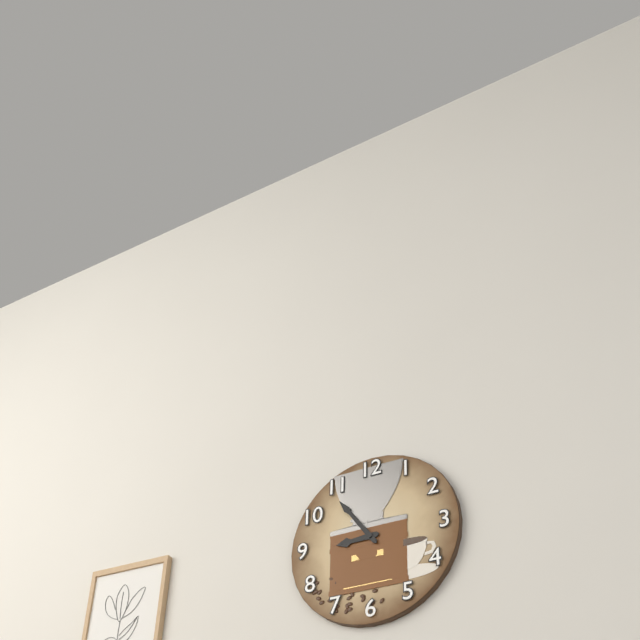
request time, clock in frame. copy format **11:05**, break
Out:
**8:54**
